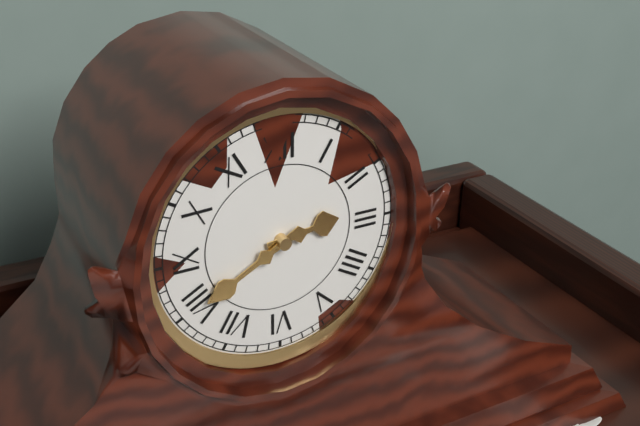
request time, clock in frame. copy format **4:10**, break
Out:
**2:40**
